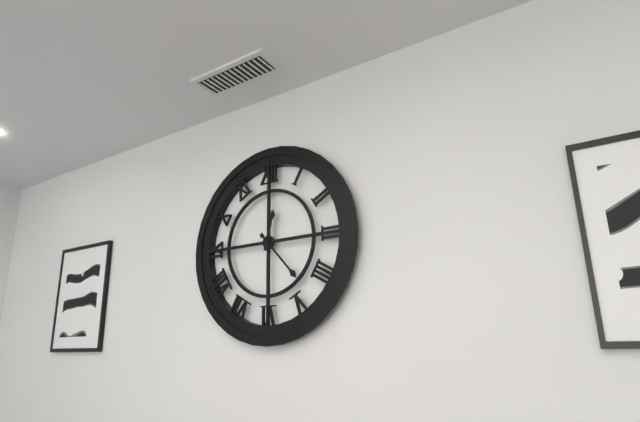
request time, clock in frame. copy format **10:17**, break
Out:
**12:23**
